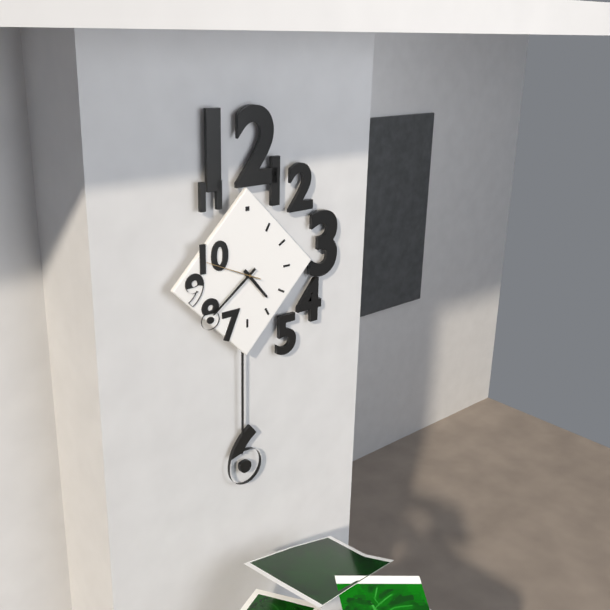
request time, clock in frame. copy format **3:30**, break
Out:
**4:39**
